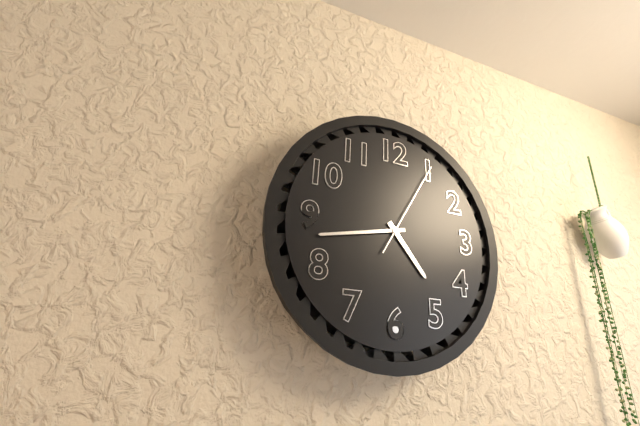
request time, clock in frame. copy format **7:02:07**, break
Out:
**4:43:05**
